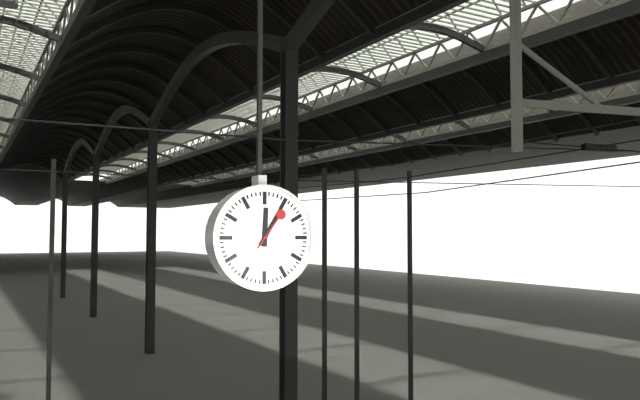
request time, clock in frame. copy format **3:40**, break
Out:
**12:05**
